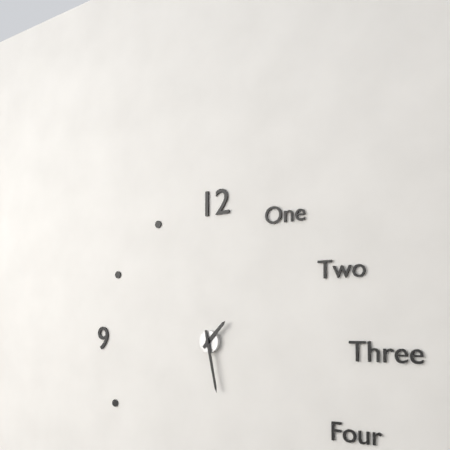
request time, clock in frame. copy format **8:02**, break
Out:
**1:28**
